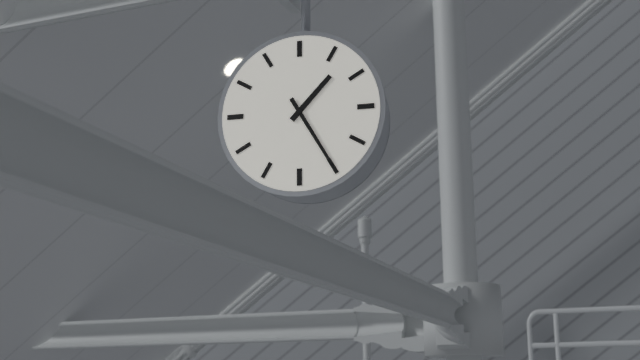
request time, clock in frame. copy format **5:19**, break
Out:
**1:25**
